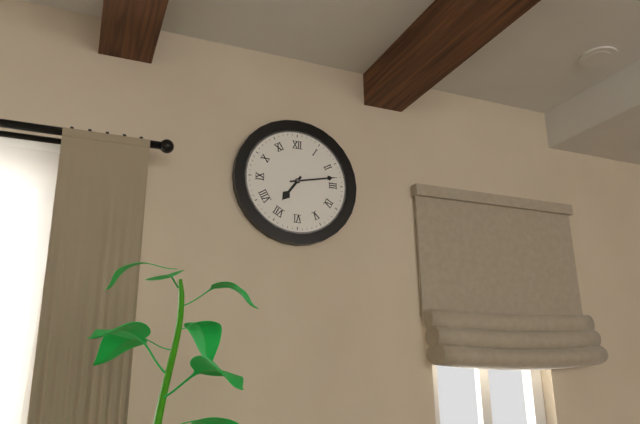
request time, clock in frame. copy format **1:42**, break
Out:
**7:13**
